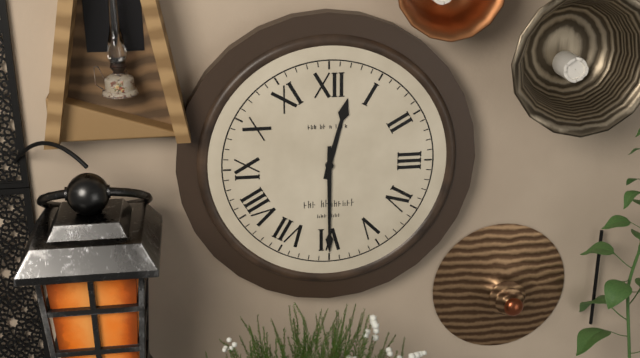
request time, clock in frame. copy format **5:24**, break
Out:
**12:30**
